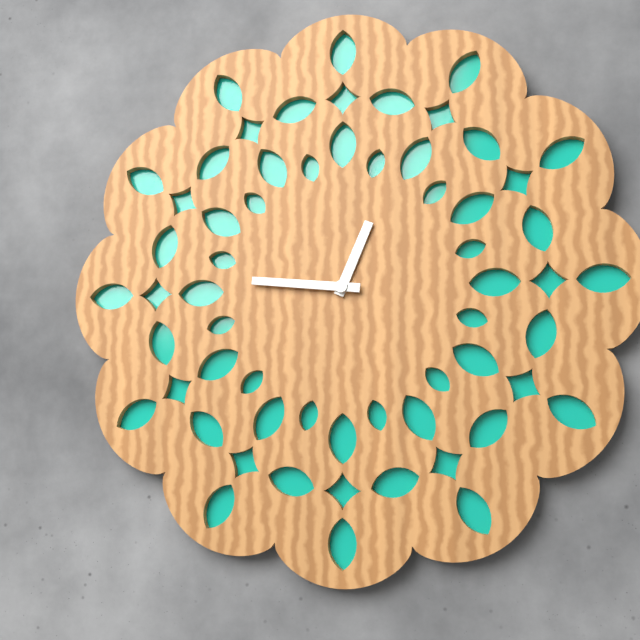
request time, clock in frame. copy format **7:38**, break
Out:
**12:46**
